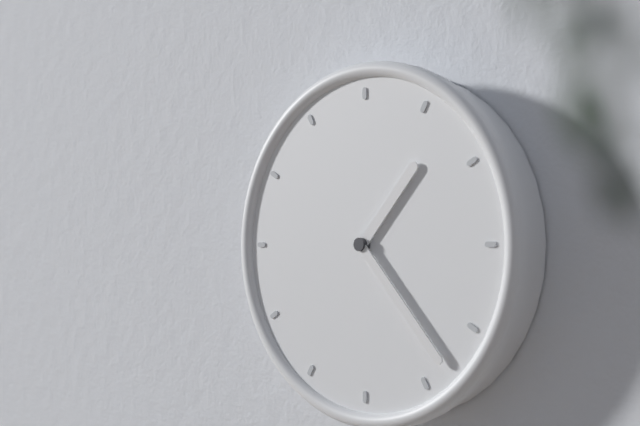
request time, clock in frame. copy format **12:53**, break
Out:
**1:23**
